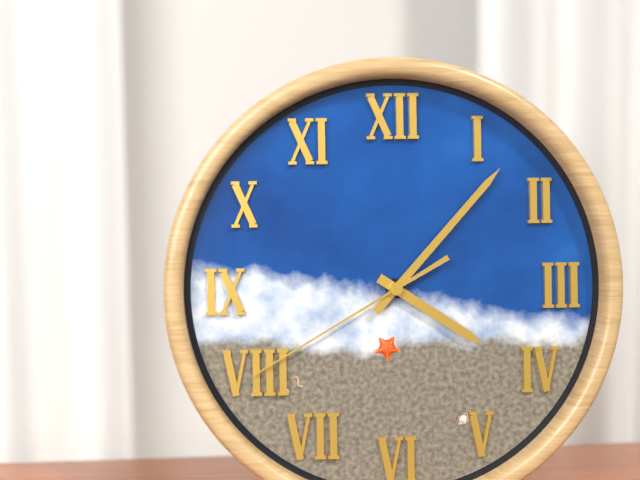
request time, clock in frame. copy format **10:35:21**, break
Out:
**4:07:40**
